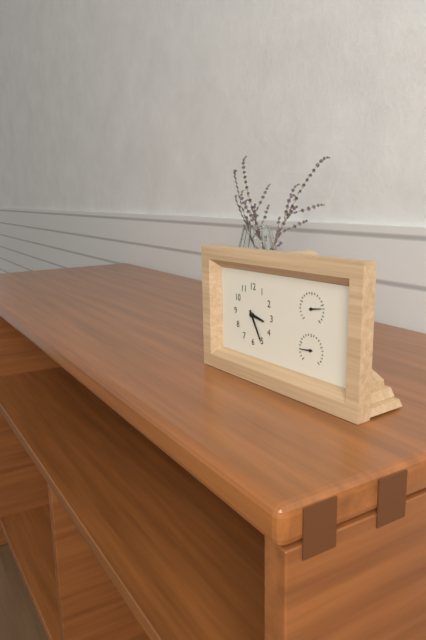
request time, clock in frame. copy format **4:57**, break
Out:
**3:25**
